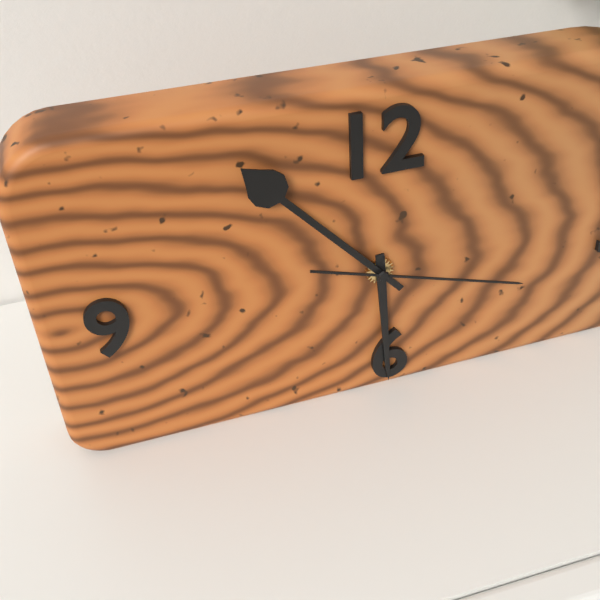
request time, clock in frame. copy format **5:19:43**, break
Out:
**5:53:18**
